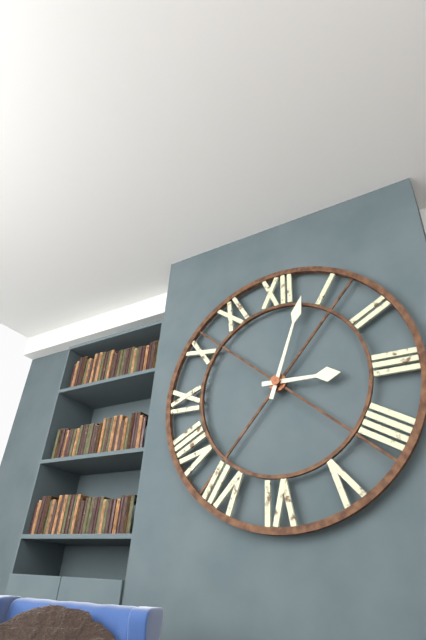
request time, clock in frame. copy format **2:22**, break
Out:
**3:03**
